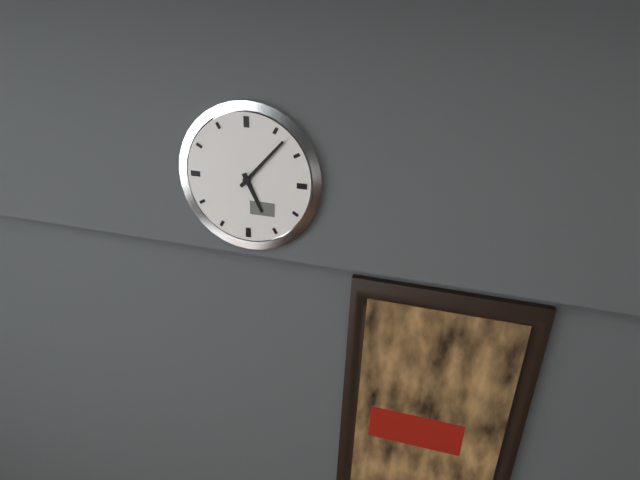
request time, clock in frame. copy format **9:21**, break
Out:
**5:07**
